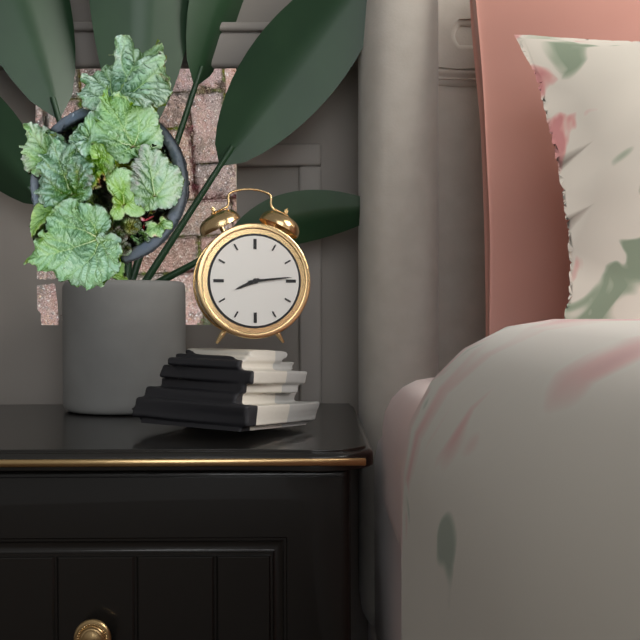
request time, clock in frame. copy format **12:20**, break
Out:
**8:14**
